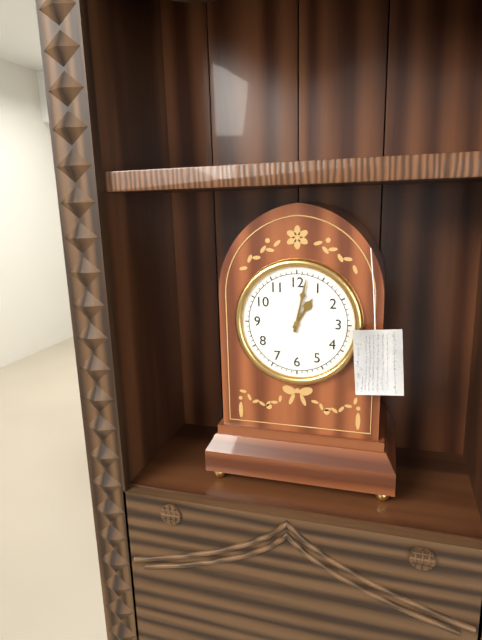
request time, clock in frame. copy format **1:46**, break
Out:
**1:02**
